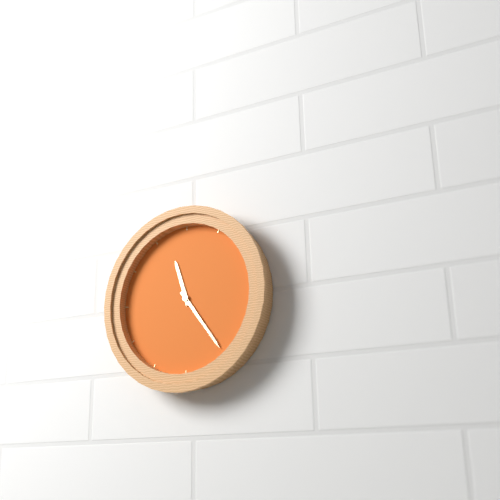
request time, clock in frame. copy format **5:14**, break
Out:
**11:24**
